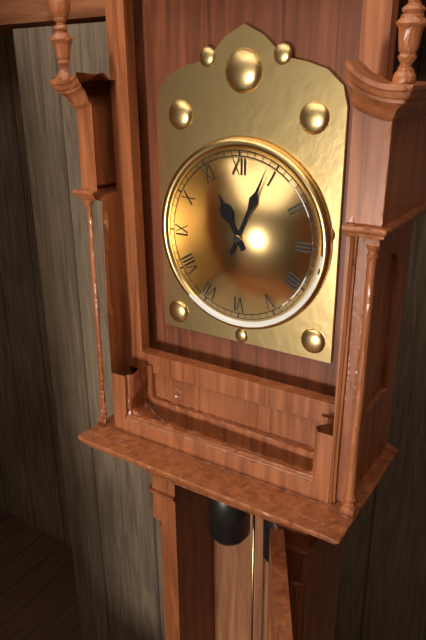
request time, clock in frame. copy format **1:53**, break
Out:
**11:04**
